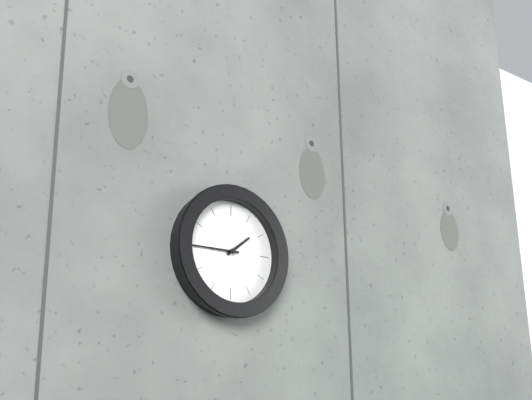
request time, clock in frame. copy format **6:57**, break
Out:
**1:45**
